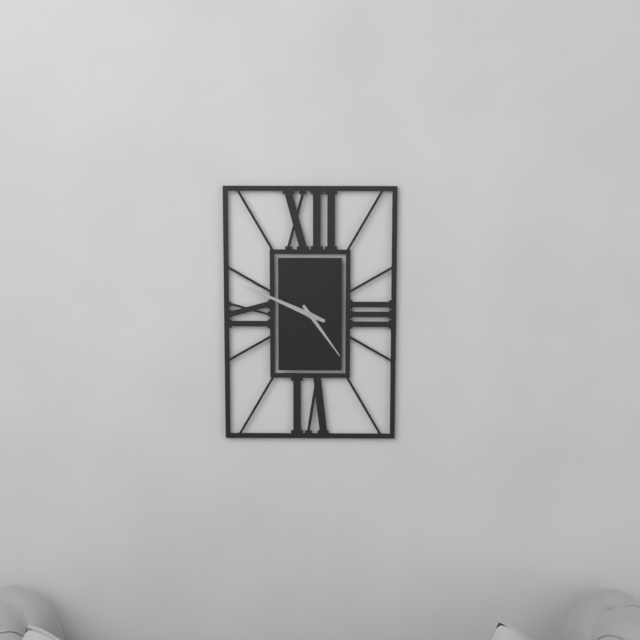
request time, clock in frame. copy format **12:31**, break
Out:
**4:49**
